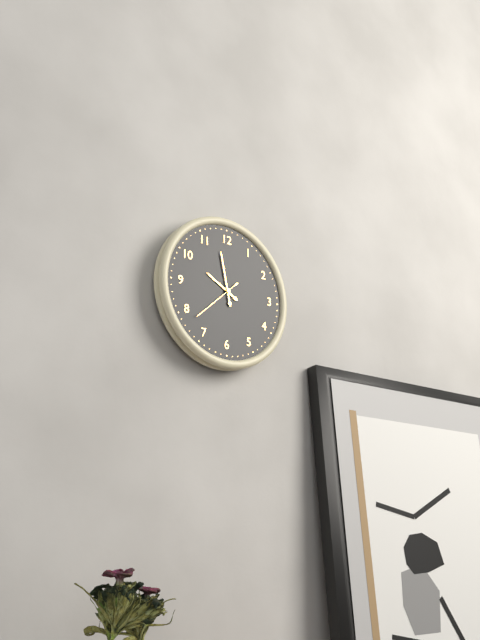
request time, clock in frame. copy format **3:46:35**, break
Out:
**9:58:38**
